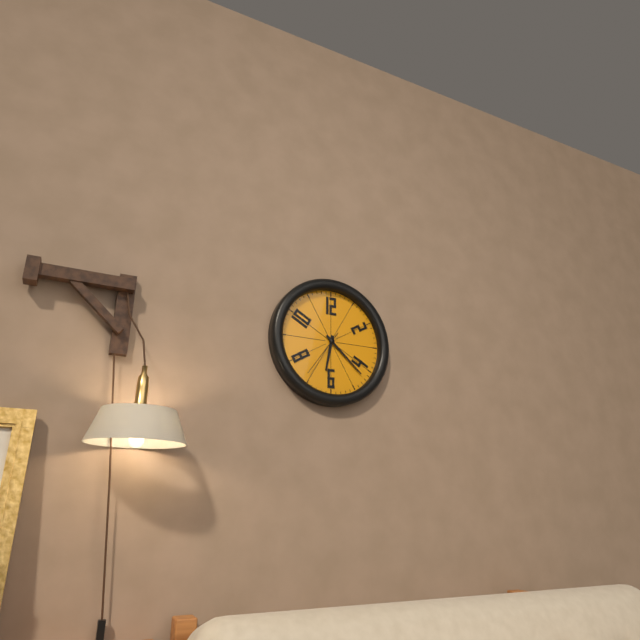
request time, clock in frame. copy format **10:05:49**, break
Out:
**6:22:36**
